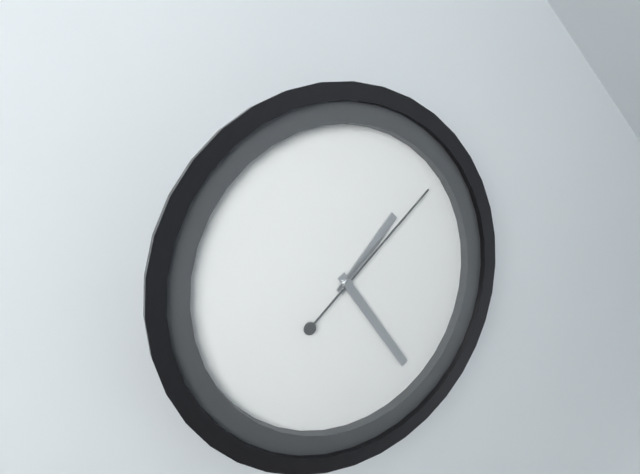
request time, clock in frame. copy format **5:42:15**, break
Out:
**1:24:08**
